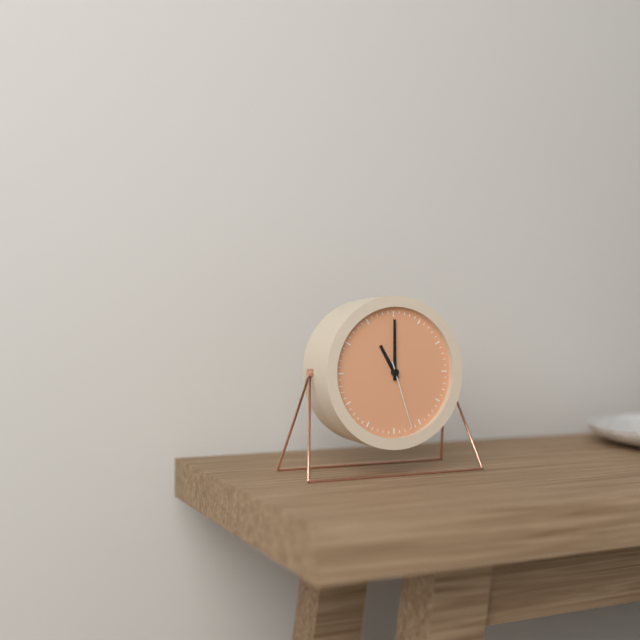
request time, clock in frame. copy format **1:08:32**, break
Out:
**11:00:27**
